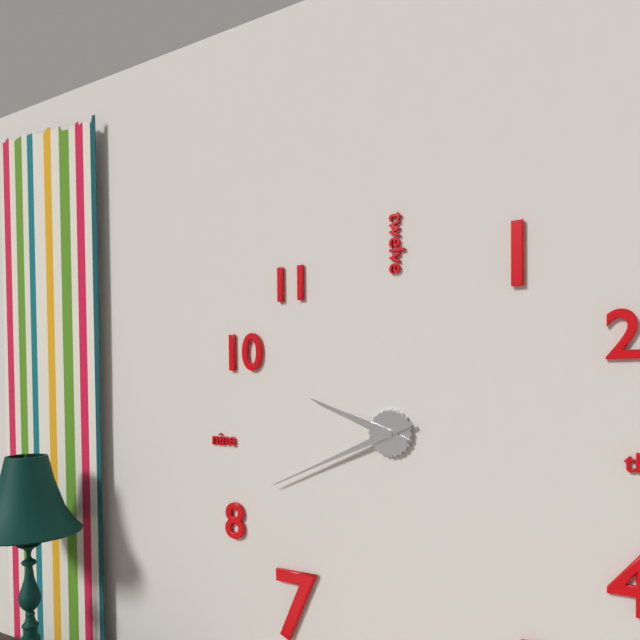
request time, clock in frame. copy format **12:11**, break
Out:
**9:41**
